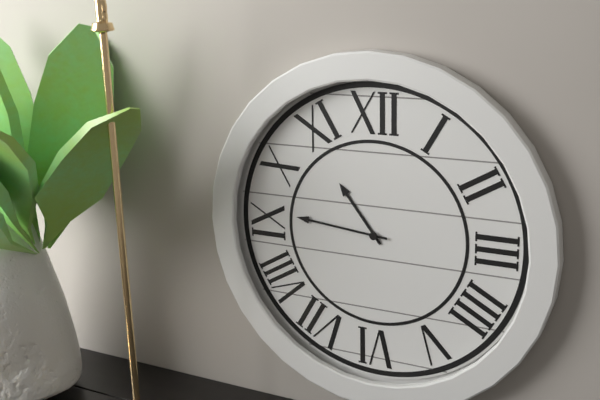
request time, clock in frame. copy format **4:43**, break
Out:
**10:46**
